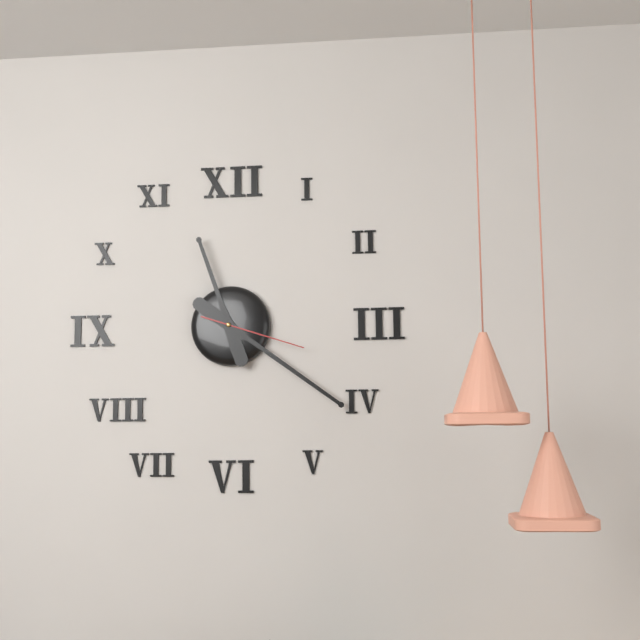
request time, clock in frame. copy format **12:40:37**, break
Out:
**11:21:18**
